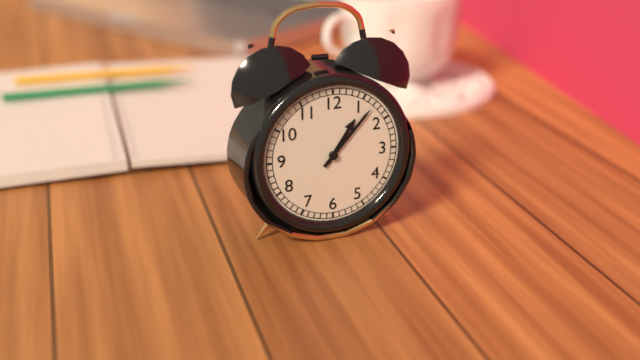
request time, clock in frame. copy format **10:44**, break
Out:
**1:07**
